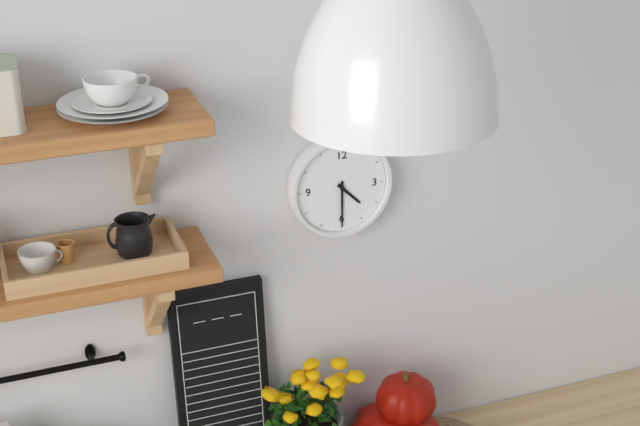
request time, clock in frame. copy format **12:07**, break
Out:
**4:30**
